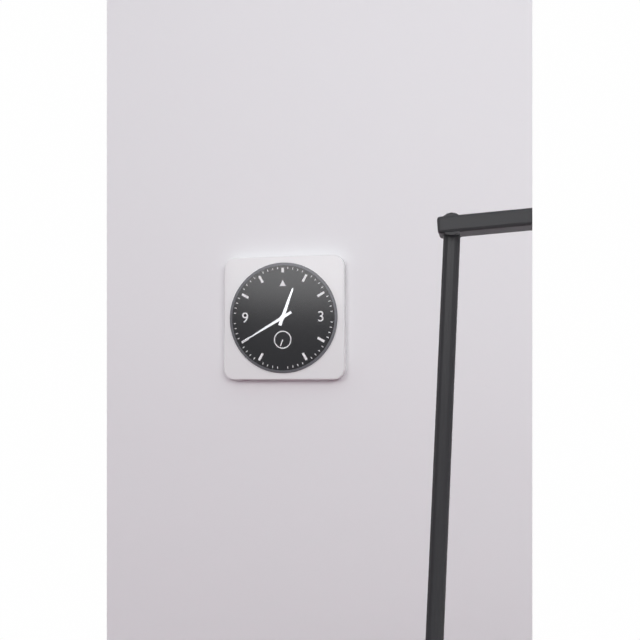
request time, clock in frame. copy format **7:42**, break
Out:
**12:40**
